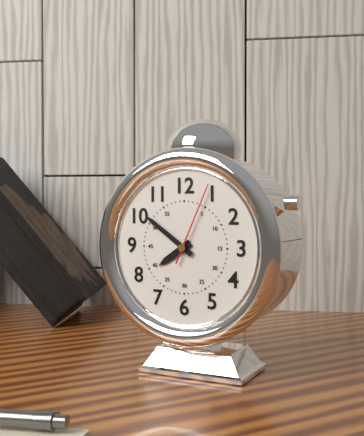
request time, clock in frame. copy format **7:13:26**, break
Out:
**7:51:04**
